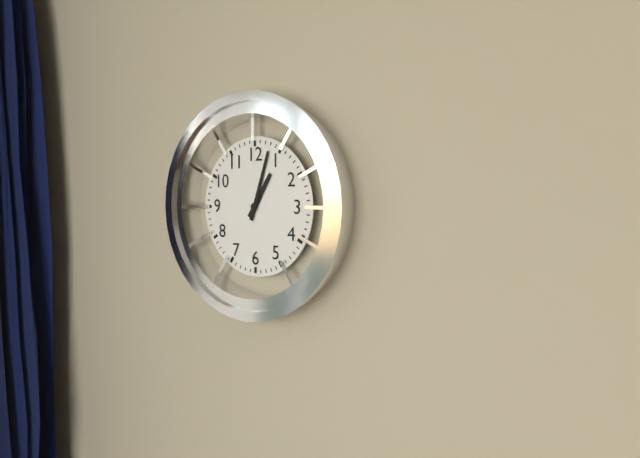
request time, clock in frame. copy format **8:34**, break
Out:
**1:03**
